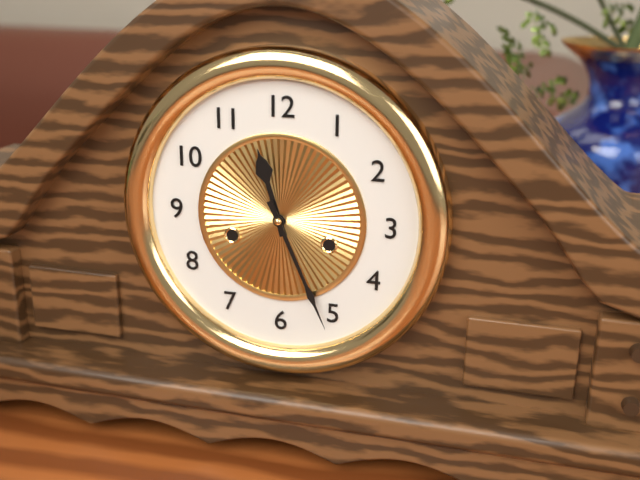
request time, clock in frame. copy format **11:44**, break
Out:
**11:26**
